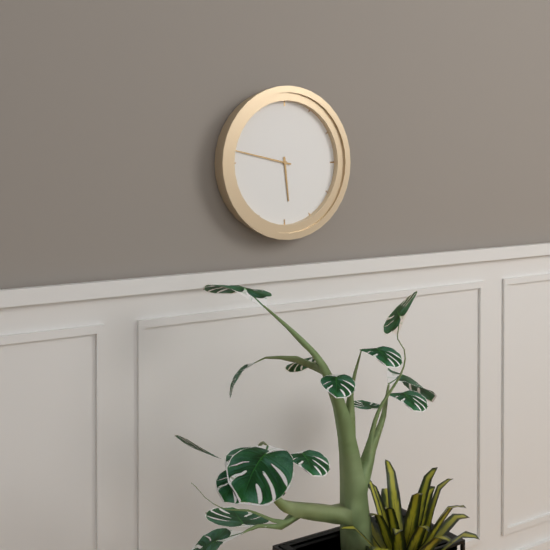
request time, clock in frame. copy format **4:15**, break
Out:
**5:47**
